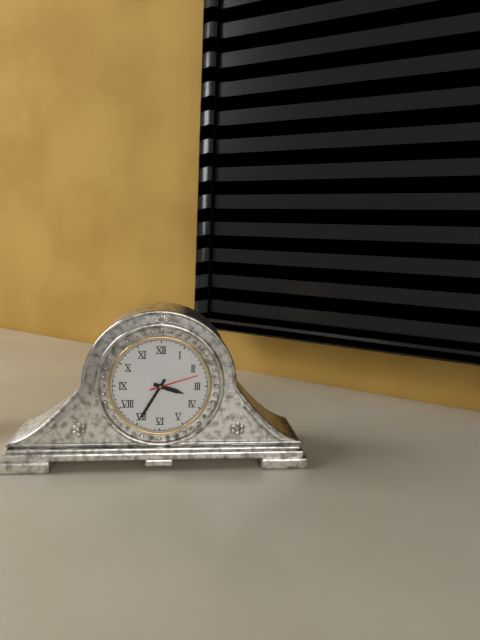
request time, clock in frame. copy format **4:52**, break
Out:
**3:35**
